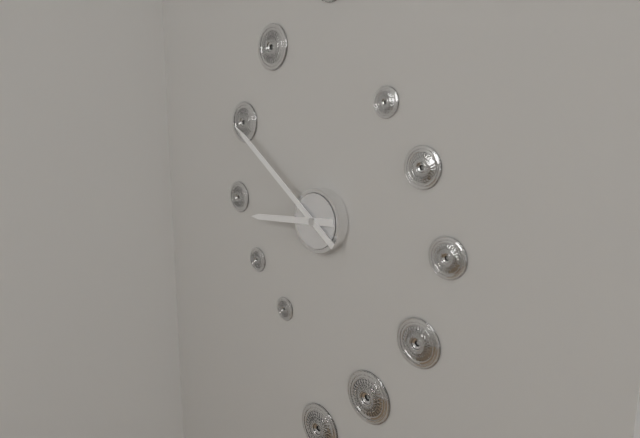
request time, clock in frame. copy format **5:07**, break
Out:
**8:51**
